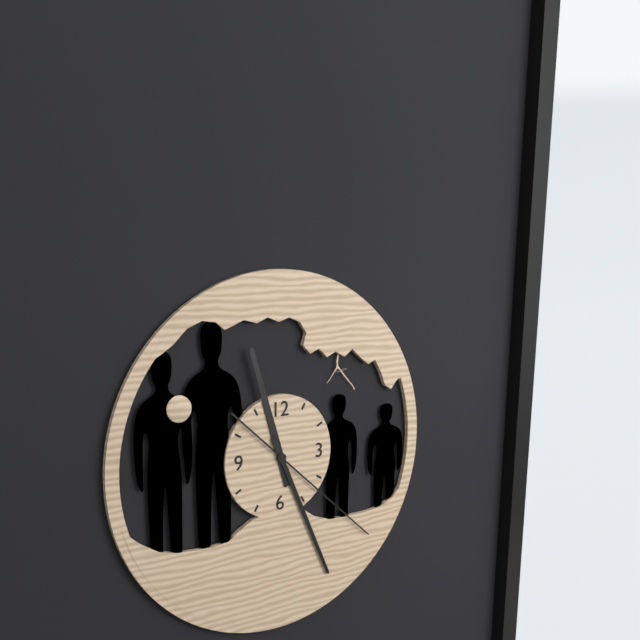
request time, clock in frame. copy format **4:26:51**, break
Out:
**11:26:22**
